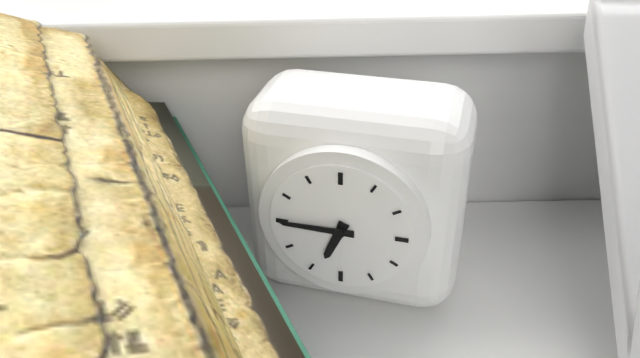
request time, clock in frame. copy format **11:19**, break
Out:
**6:45**
